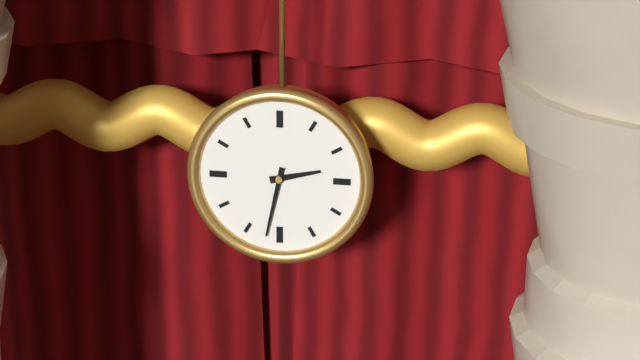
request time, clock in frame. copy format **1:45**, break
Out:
**2:32**
